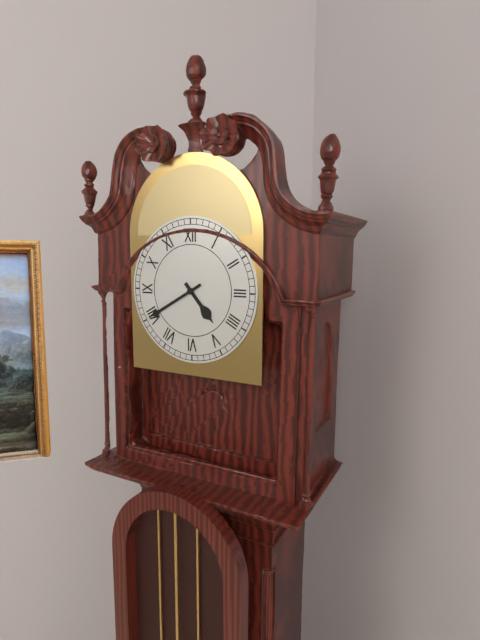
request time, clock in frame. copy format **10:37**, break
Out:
**4:40**
